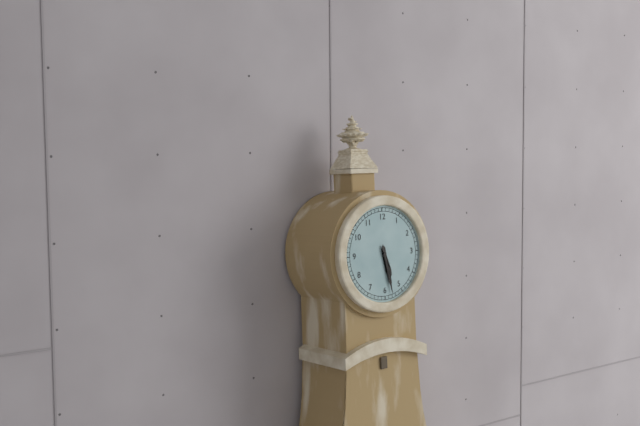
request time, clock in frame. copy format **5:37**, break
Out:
**5:28**
